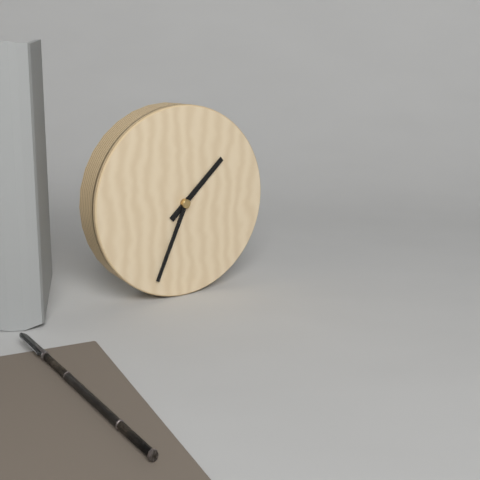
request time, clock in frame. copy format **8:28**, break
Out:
**1:34**
